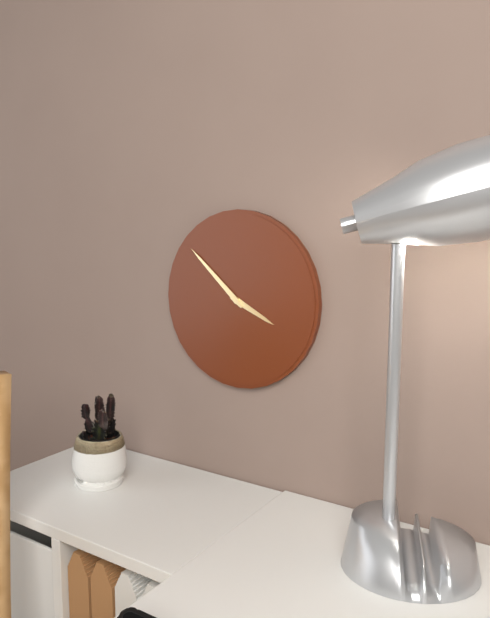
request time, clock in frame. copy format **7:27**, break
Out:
**3:52**
